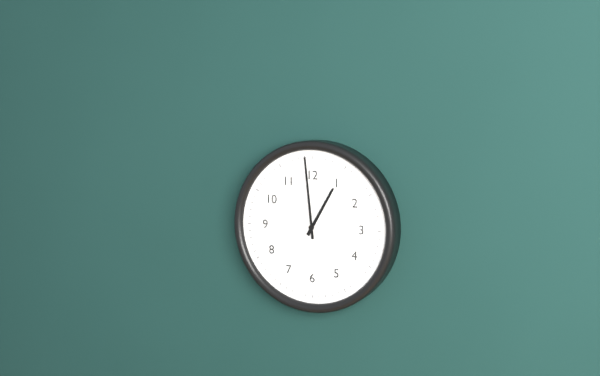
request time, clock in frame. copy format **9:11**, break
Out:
**12:59**
